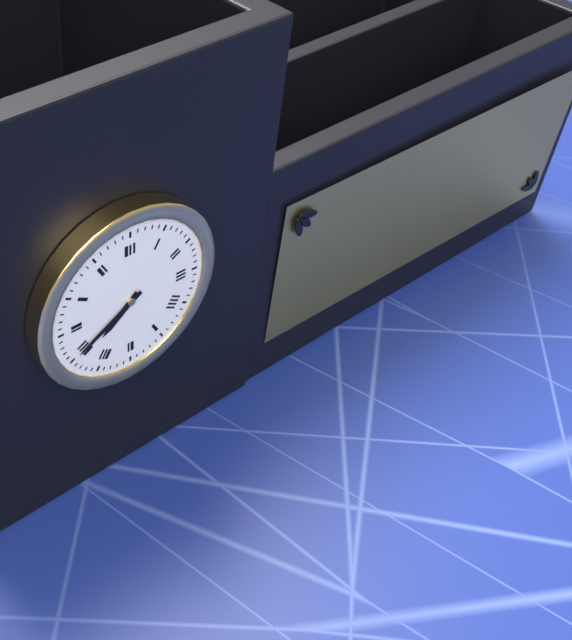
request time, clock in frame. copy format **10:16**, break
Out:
**7:40**
